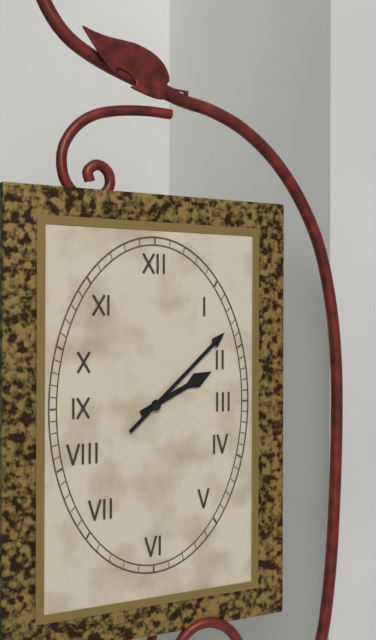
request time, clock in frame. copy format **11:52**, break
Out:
**2:08**
